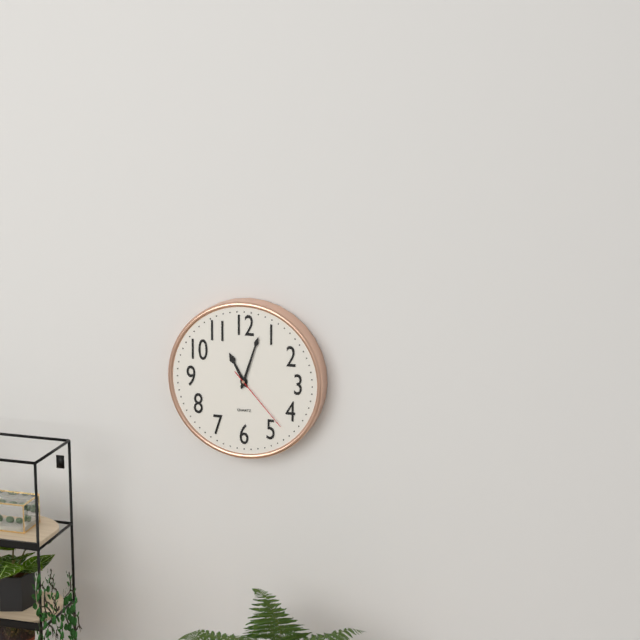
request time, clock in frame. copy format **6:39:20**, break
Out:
**11:03:23**
